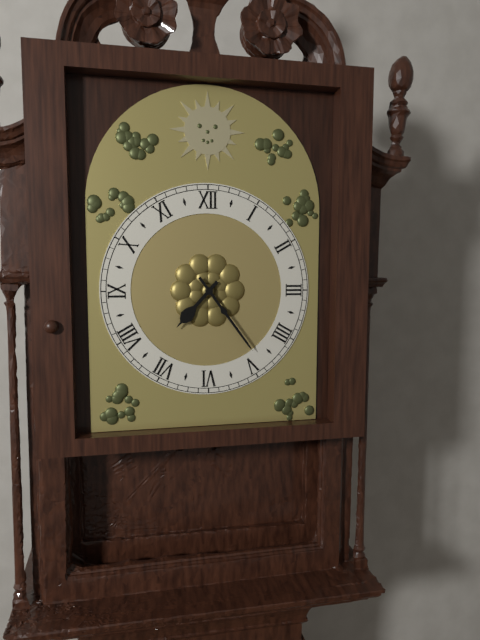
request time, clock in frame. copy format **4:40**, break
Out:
**7:24**
